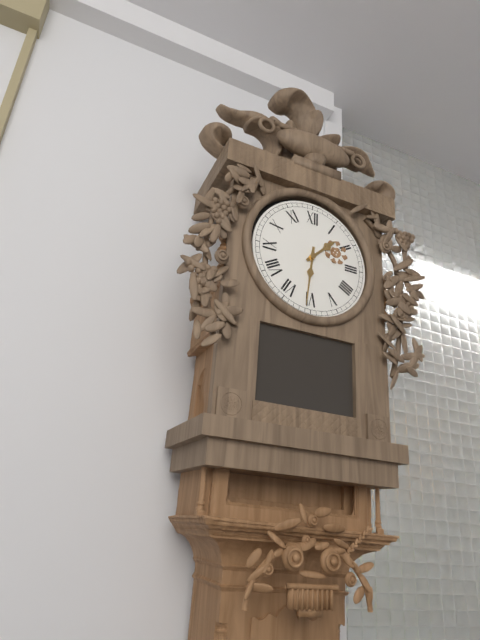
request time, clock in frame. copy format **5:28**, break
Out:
**1:31**
